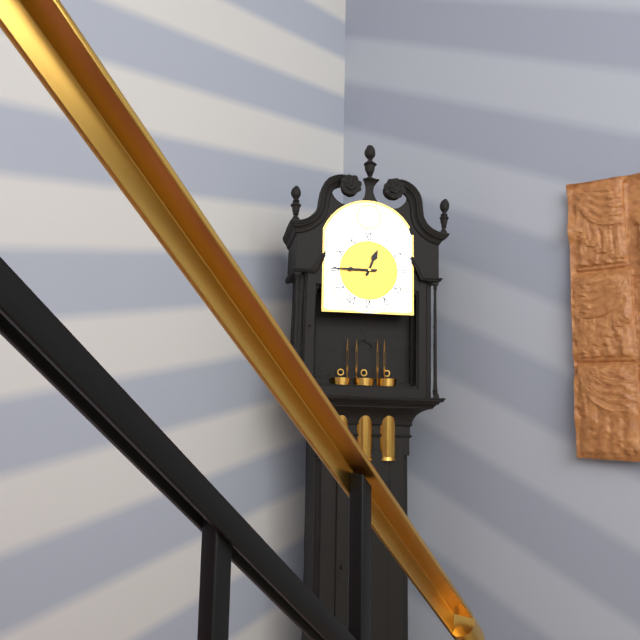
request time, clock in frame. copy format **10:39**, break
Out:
**12:45**
